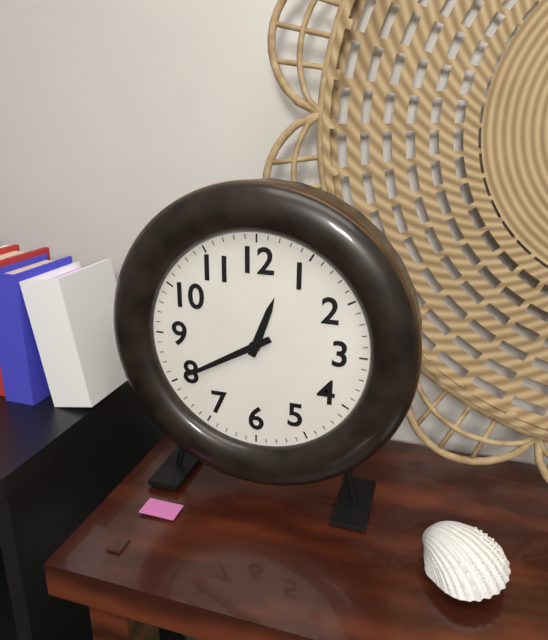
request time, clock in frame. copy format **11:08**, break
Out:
**12:40**
